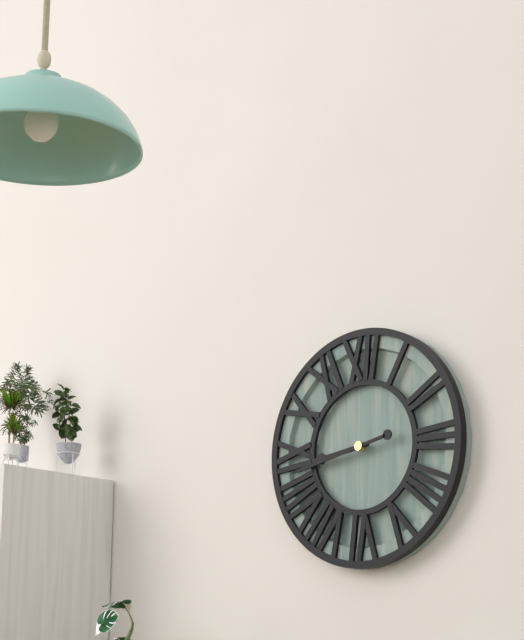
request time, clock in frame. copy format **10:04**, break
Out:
**8:43**
